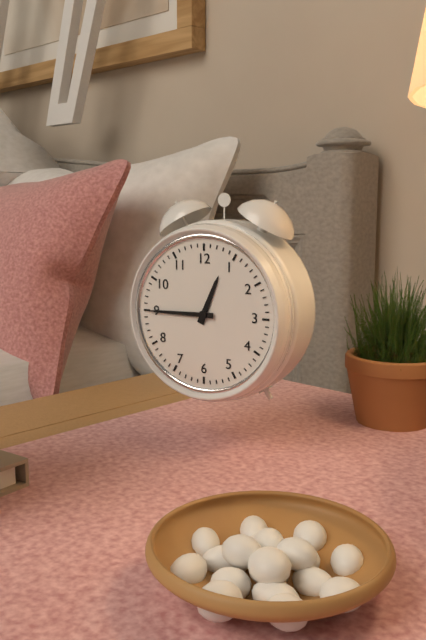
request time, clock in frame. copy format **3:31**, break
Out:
**12:45**
